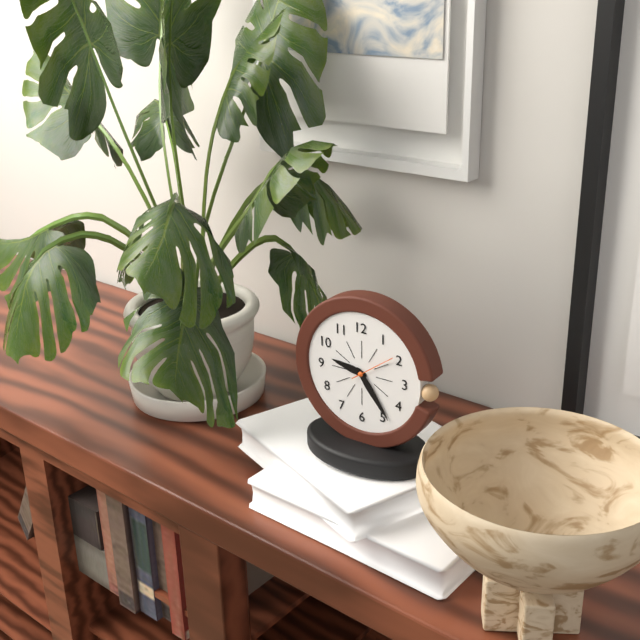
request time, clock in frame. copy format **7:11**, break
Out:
**9:24**
